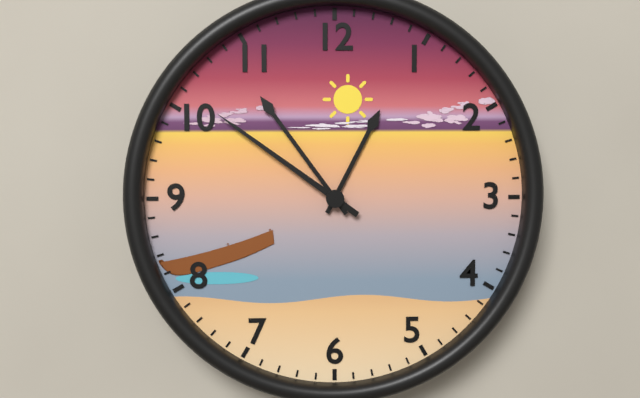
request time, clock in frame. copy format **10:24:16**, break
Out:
**12:54:51**
